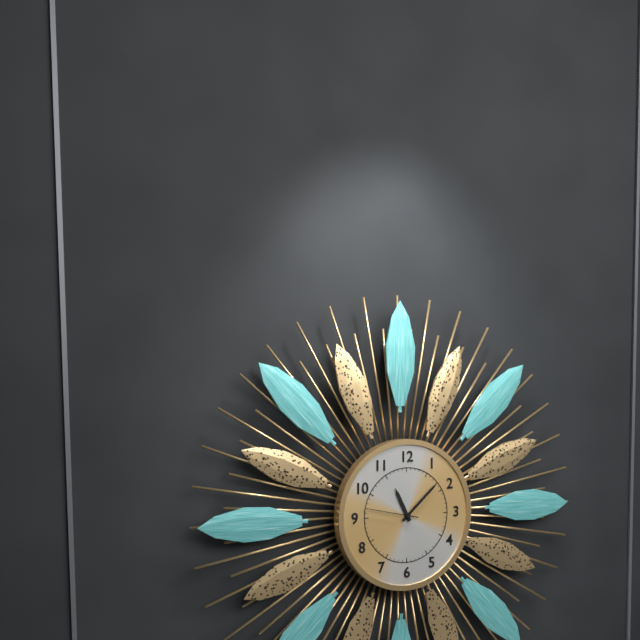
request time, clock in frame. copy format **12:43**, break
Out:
**11:08**
